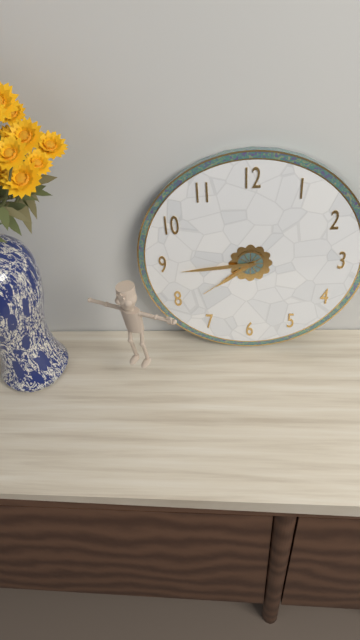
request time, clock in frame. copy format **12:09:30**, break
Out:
**7:44:39**
